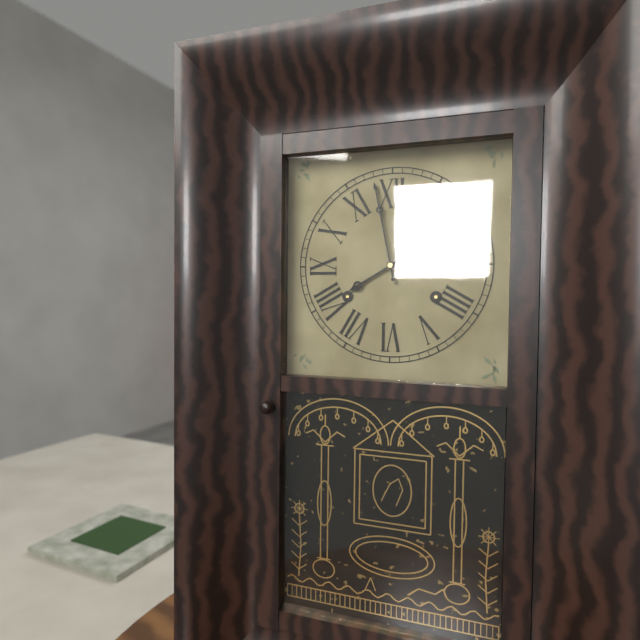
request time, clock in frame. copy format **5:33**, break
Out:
**7:58**
